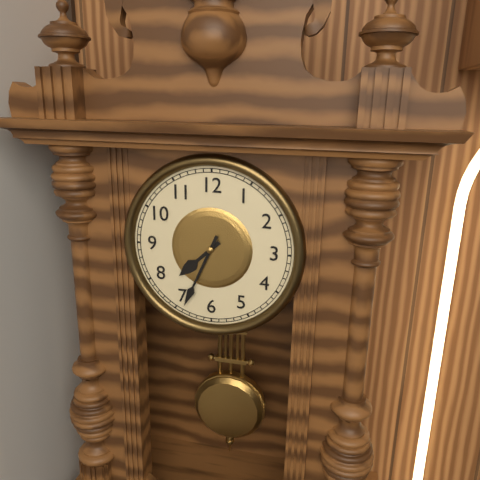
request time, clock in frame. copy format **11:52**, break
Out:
**7:34**
